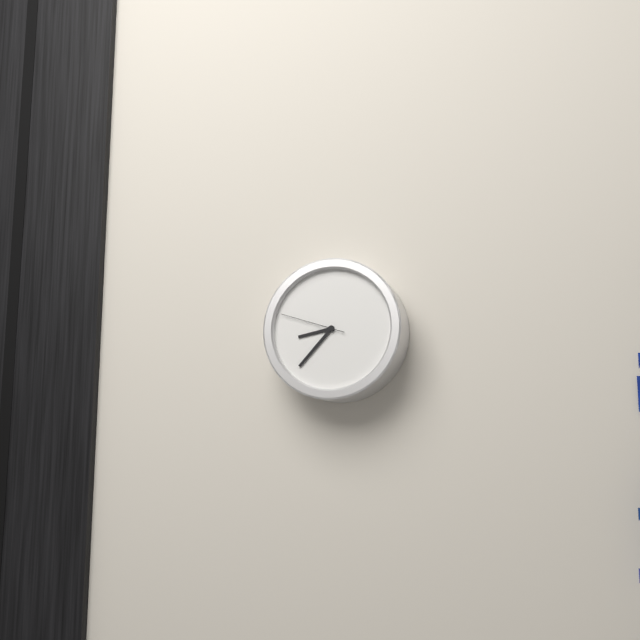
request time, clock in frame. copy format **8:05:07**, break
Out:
**8:37:48**
